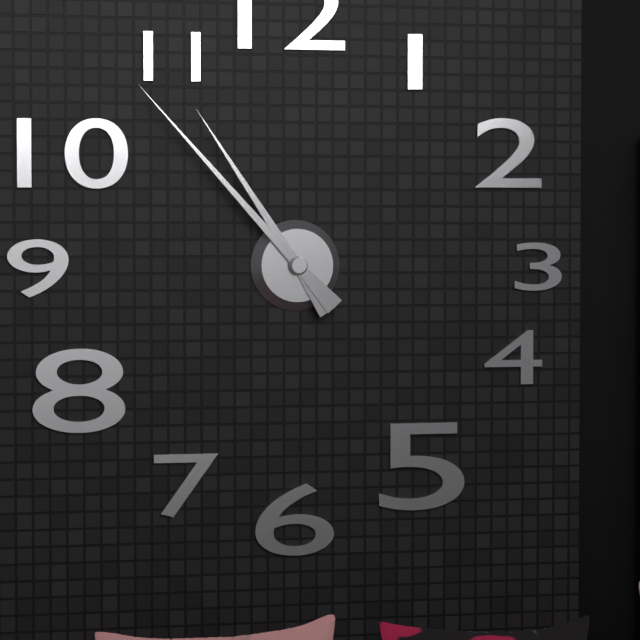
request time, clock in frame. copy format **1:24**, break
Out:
**10:53**
